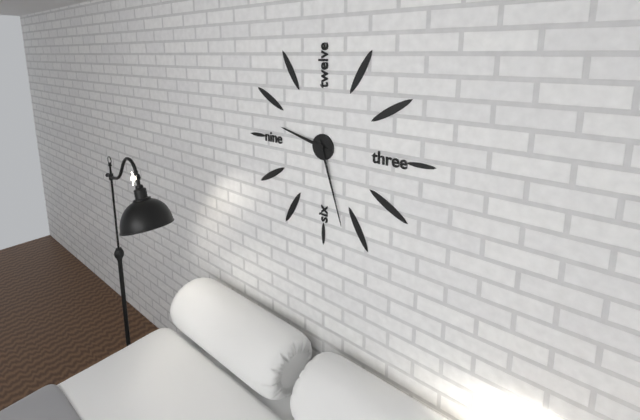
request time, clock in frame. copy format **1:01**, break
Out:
**9:27**
